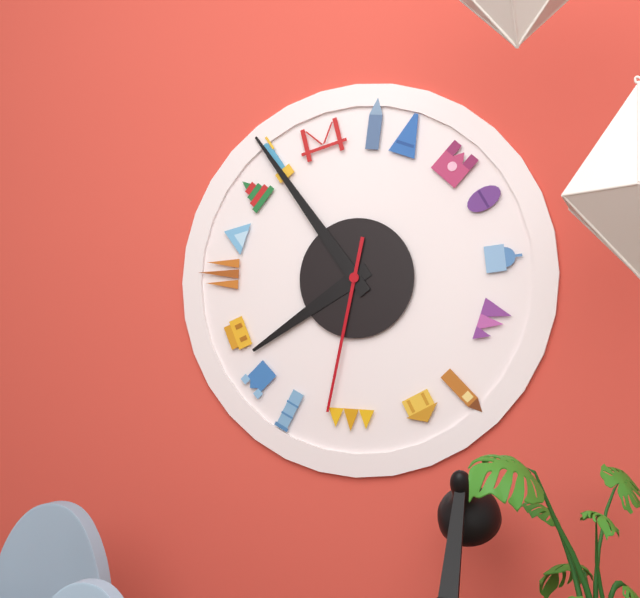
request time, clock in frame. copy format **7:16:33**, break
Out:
**7:54:32**
